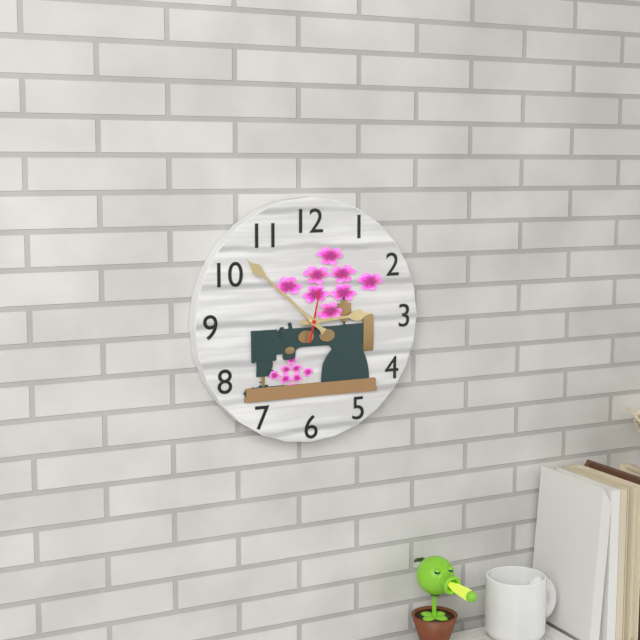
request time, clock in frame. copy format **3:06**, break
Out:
**2:52**
